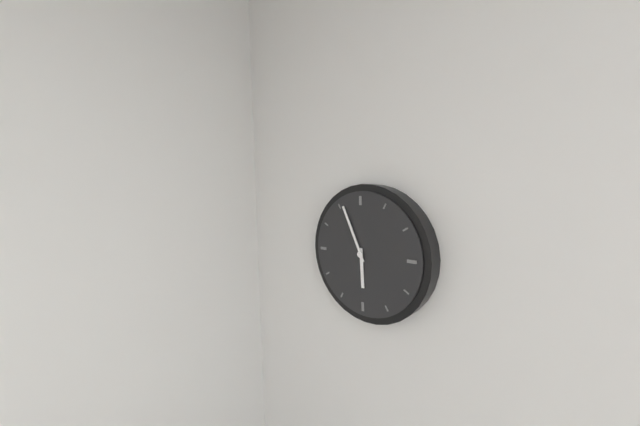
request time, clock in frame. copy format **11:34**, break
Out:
**5:56**
